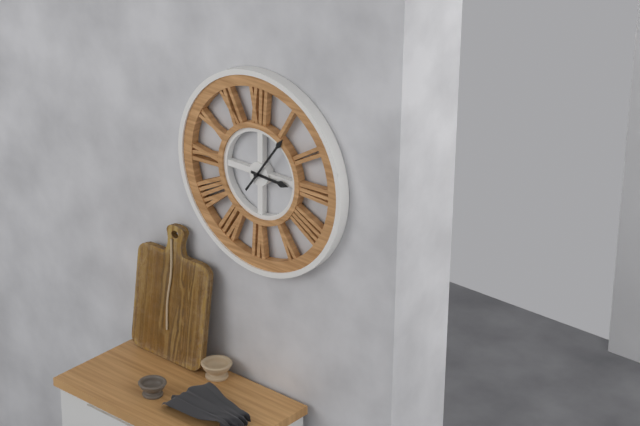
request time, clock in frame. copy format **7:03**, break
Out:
**3:06**
